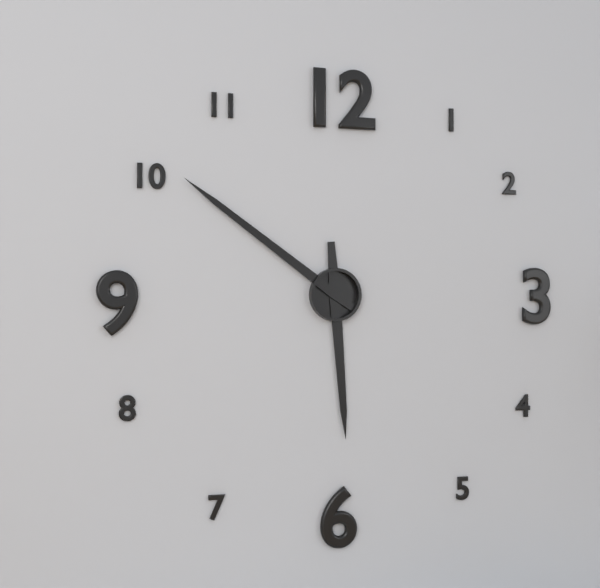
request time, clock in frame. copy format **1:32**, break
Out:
**5:51**
